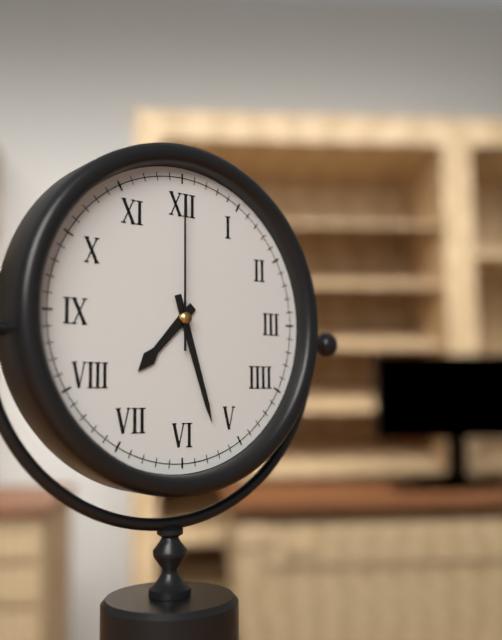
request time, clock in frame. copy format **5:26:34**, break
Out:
**7:27:00**
